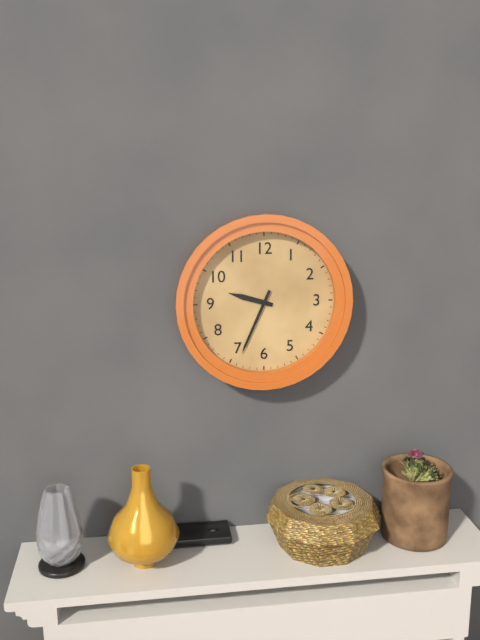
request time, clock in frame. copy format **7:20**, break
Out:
**9:34**
